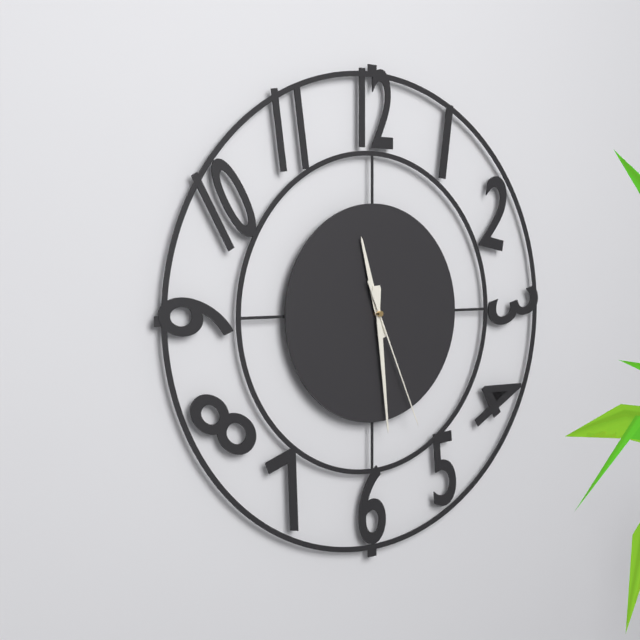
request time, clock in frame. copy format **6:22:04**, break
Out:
**11:29:26**
